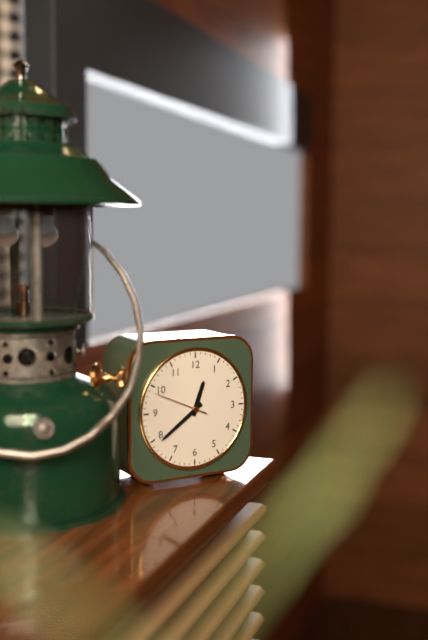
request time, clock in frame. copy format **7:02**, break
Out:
**12:39**
